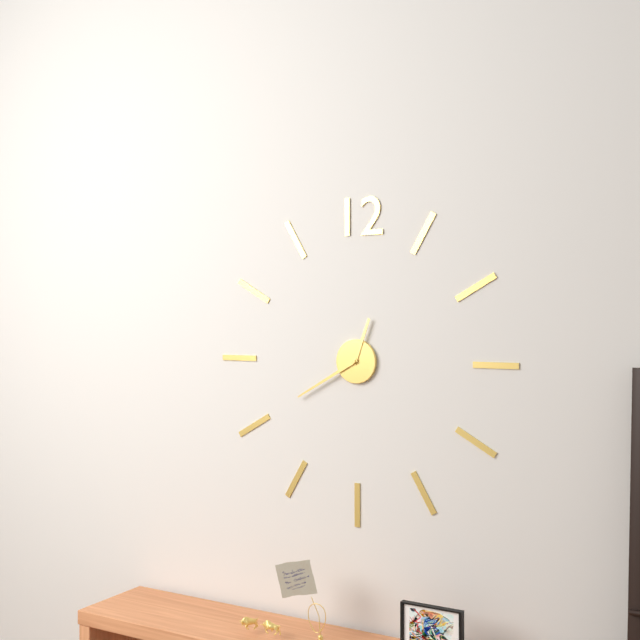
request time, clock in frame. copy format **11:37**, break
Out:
**12:40**
